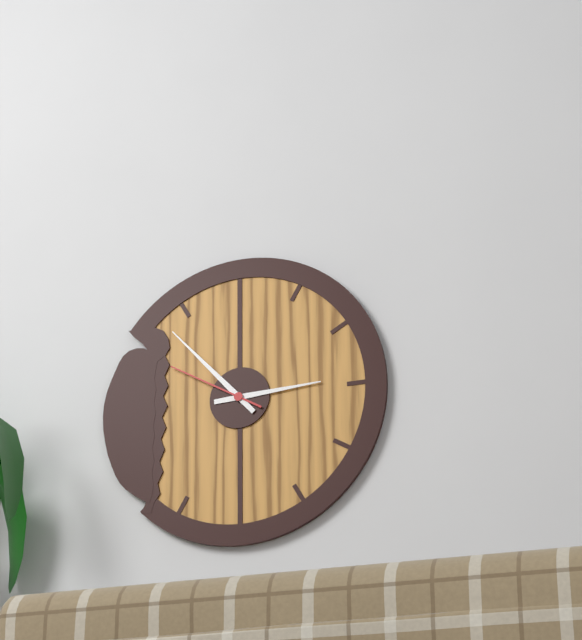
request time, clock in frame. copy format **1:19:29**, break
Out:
**2:53:50**
